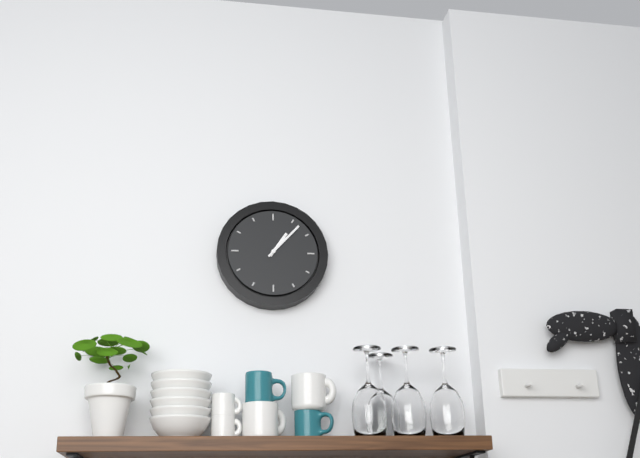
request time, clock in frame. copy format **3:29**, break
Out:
**1:07**
